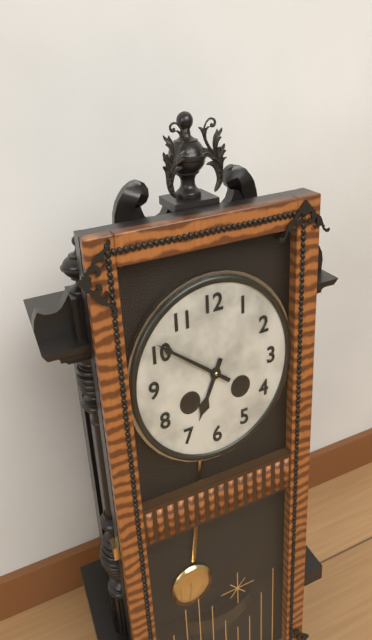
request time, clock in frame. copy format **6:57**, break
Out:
**6:51**
